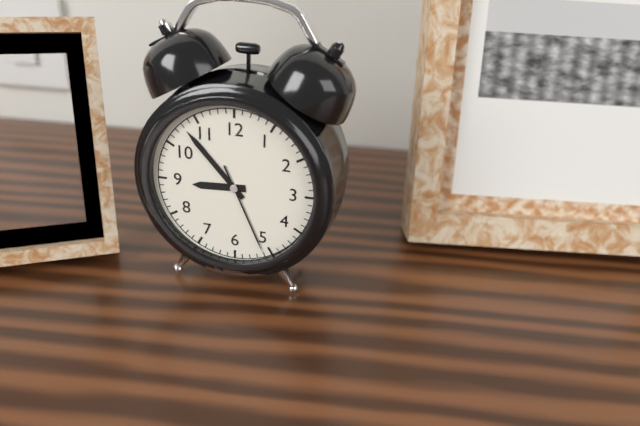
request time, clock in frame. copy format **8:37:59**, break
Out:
**8:53:26**
